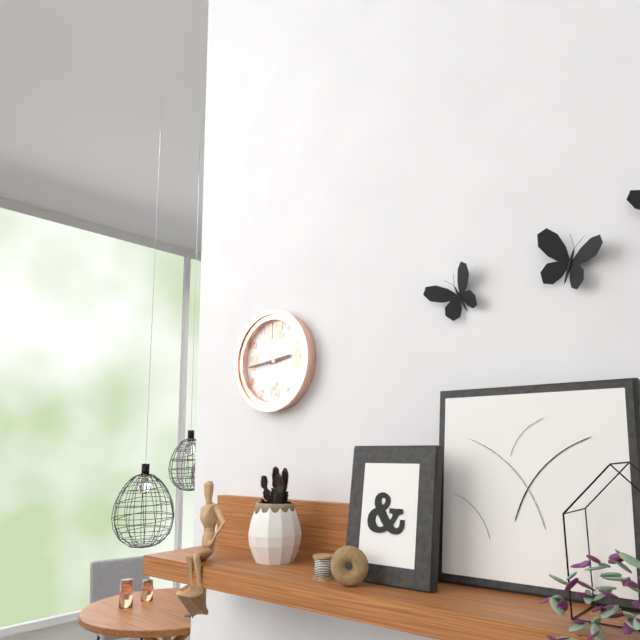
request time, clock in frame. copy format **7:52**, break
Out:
**2:44**
